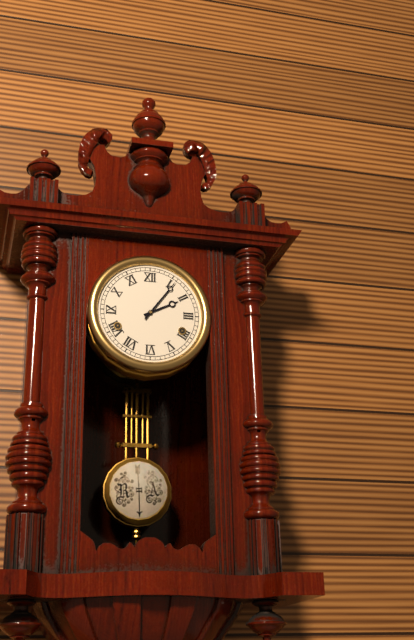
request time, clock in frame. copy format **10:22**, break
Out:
**2:06**
